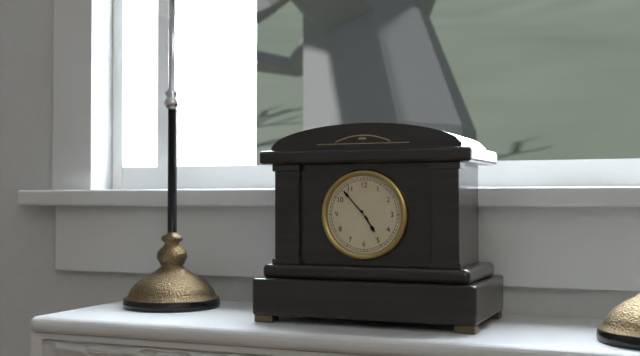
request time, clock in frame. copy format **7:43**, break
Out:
**4:53**
